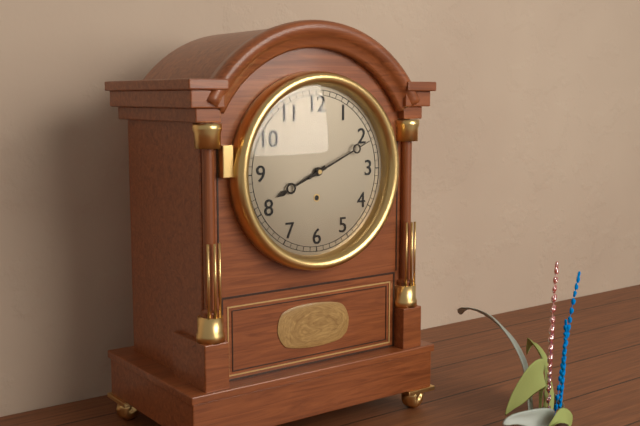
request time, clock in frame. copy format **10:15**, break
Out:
**8:11**
